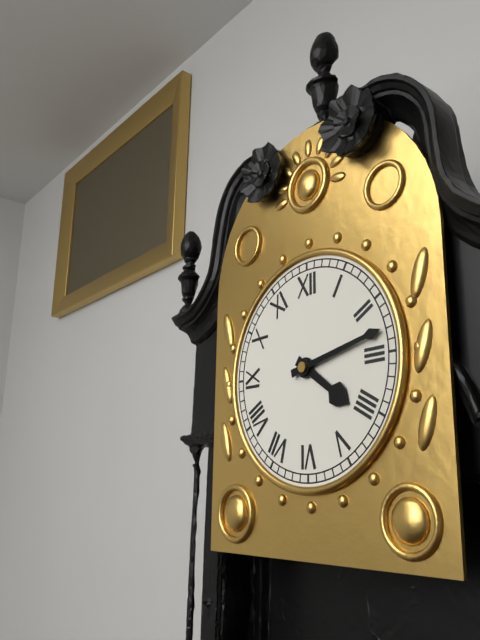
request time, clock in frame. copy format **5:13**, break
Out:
**4:13**
